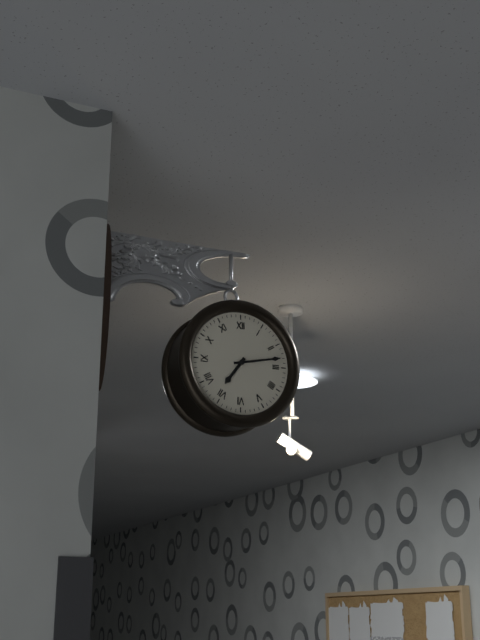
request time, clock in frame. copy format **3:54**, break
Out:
**7:13**
